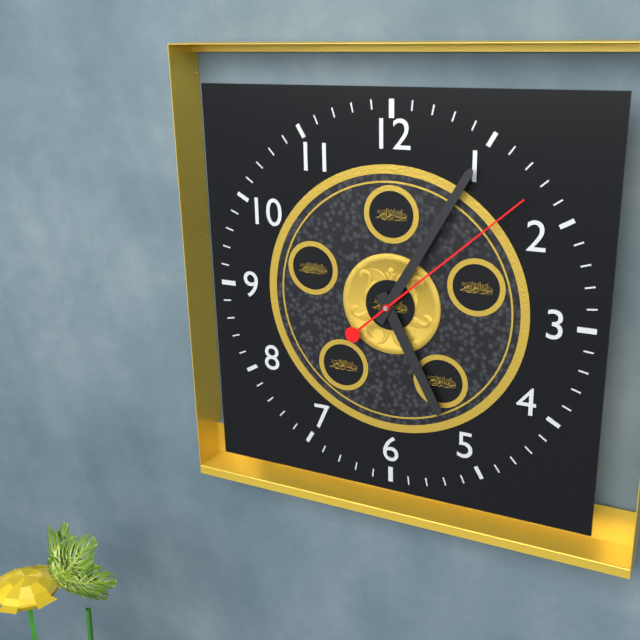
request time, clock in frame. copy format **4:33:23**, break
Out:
**5:05:08**
